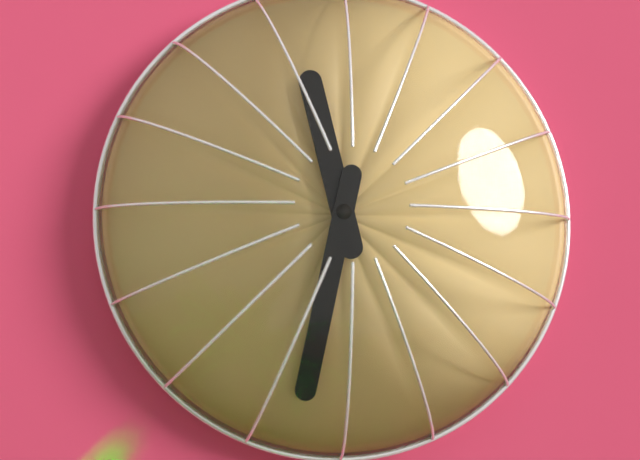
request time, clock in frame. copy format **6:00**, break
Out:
**11:32**
